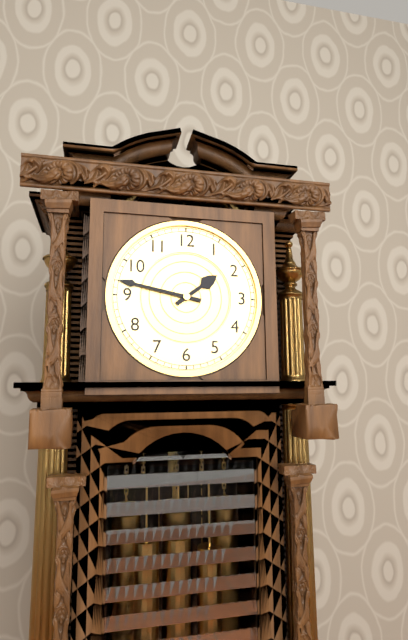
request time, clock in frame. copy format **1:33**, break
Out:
**1:47**
